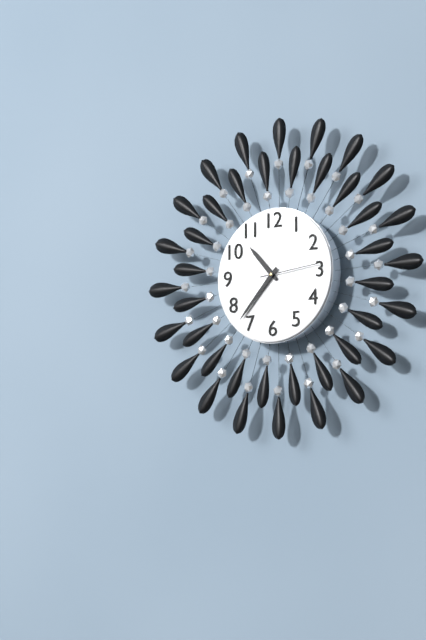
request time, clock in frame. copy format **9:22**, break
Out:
**10:37**
